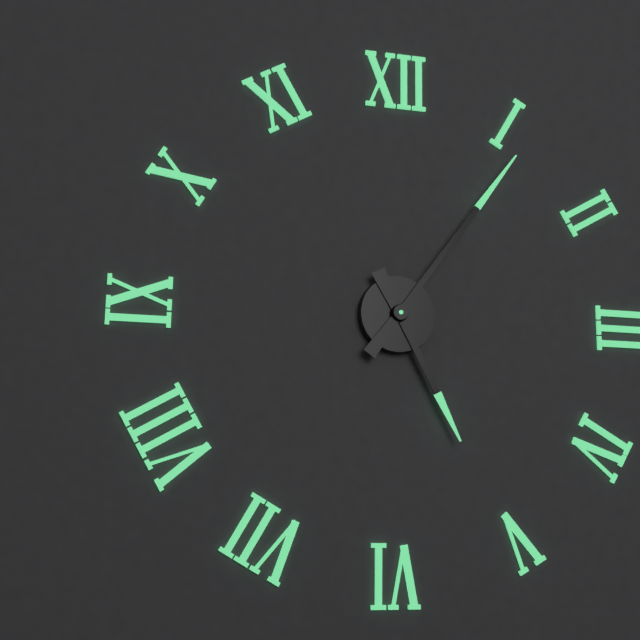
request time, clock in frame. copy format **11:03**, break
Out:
**5:06**
